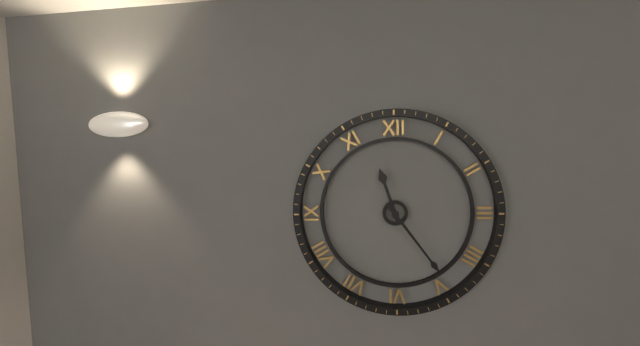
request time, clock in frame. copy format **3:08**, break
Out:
**11:24**
